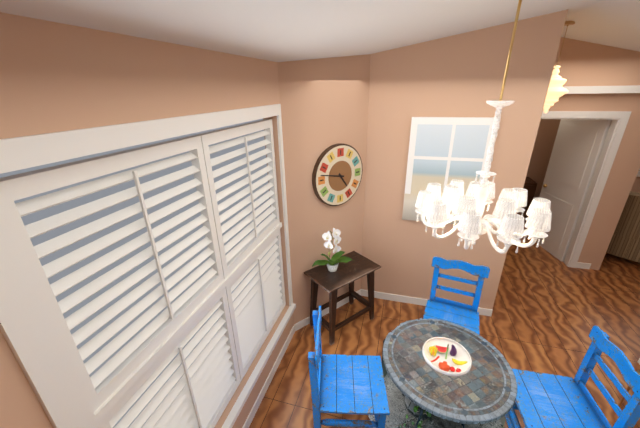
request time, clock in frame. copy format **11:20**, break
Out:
**4:47**
